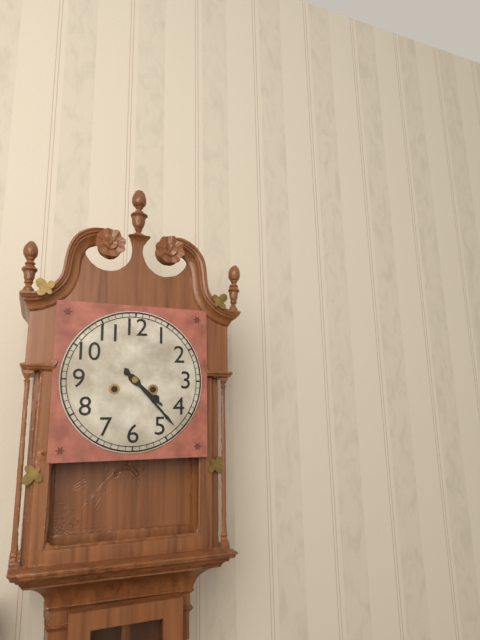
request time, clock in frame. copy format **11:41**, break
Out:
**4:23**
